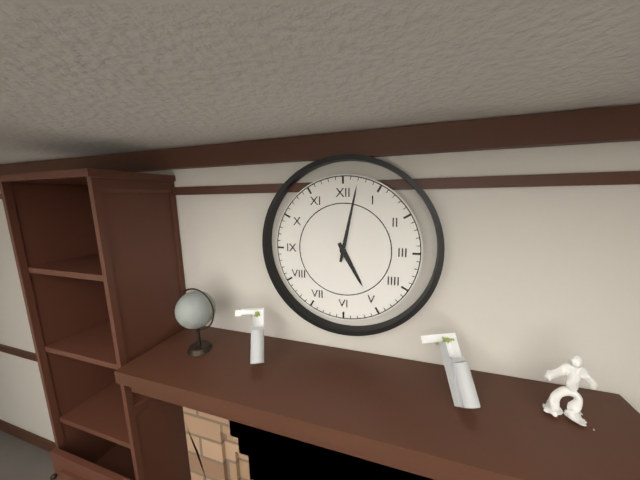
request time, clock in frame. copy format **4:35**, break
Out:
**5:02**
